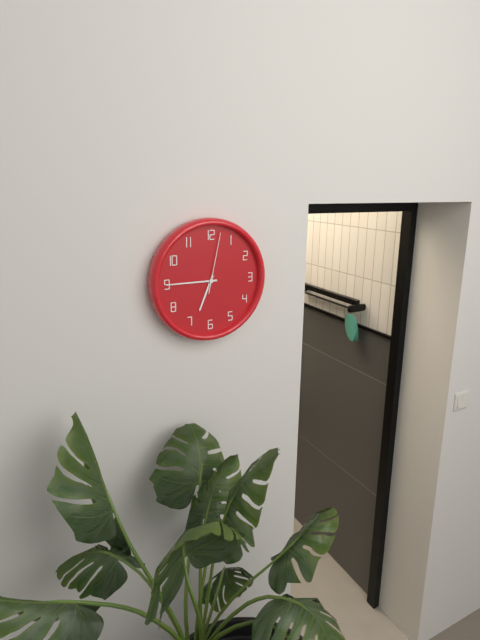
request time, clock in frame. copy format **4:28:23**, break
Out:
**6:45:02**
